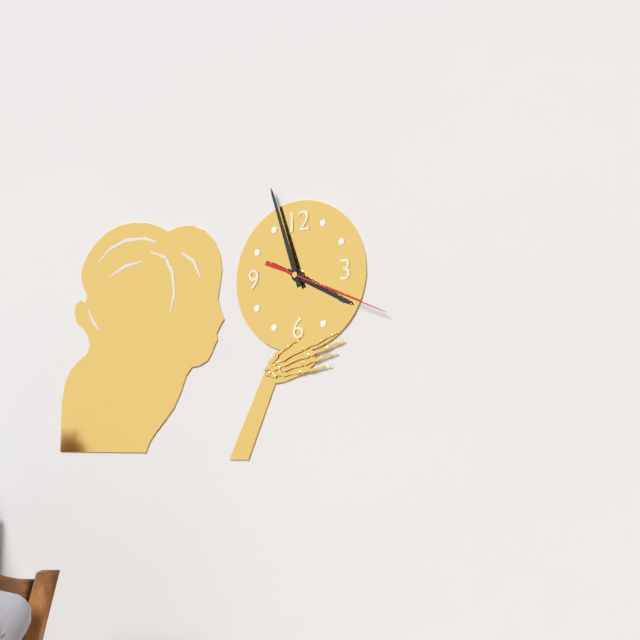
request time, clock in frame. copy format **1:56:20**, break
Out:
**3:57:19**
